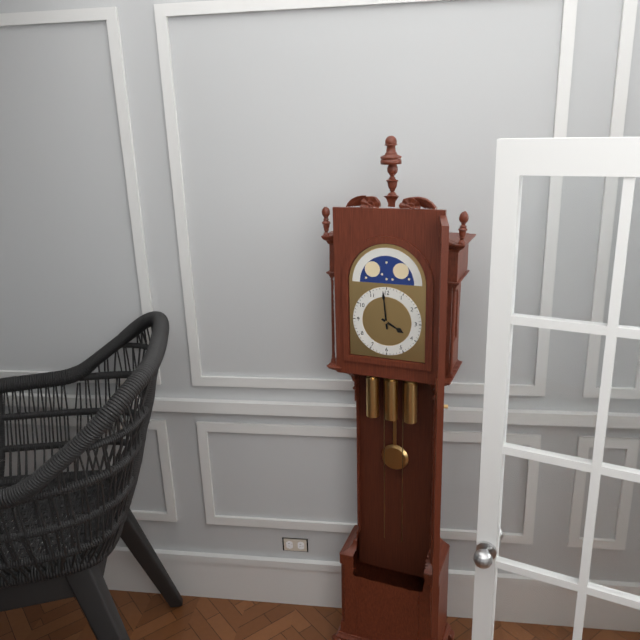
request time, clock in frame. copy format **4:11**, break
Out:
**3:59**
